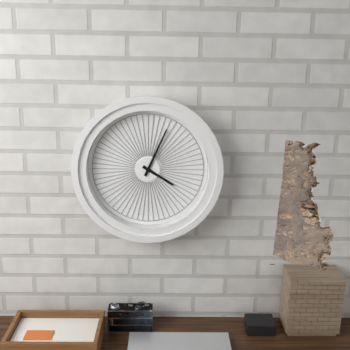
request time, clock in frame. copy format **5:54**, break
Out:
**4:04**
